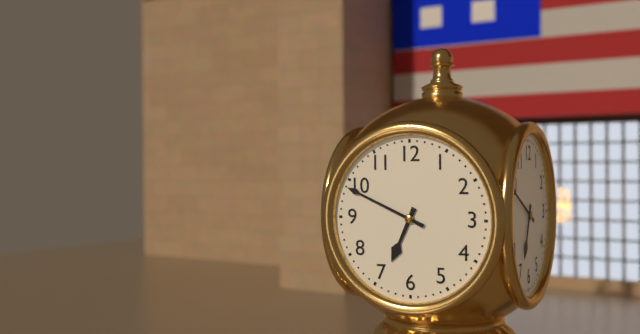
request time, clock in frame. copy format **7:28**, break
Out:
**6:49**
